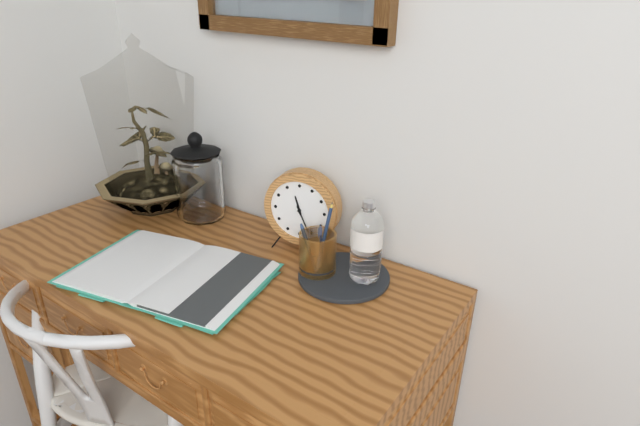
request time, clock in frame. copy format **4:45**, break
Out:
**11:26**
